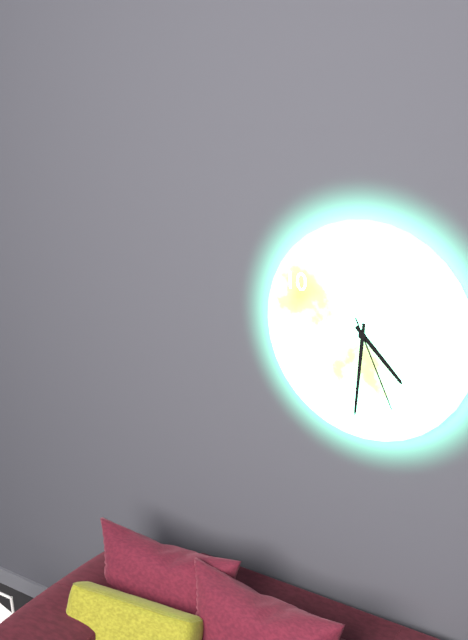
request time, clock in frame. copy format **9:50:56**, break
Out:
**4:31:26**
